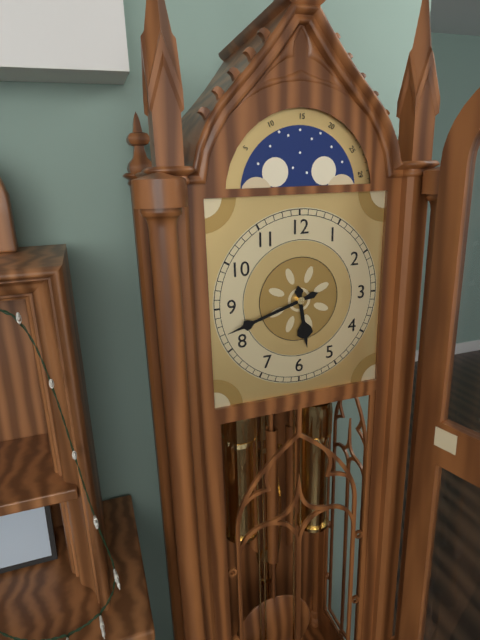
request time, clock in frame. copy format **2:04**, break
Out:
**5:42**
